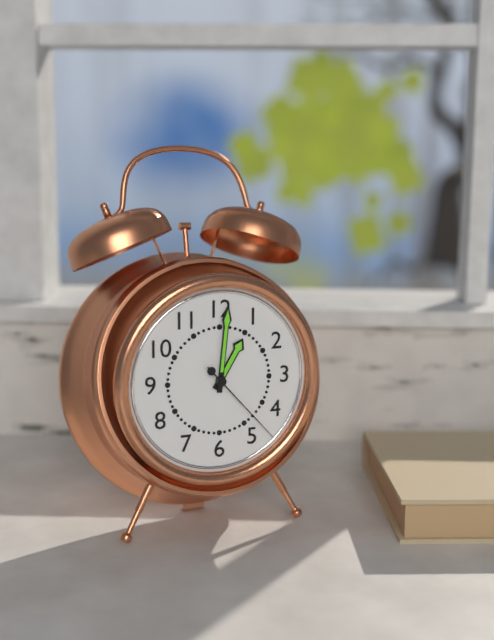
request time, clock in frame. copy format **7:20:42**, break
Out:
**1:01:23**
